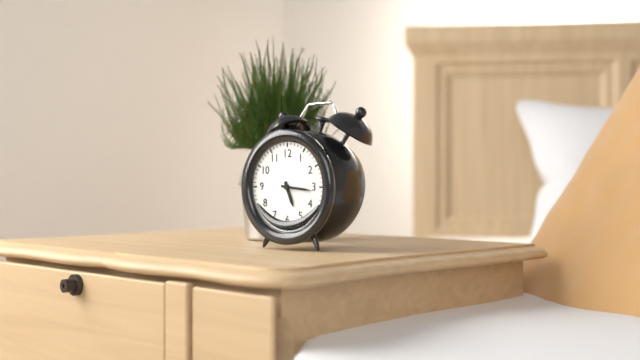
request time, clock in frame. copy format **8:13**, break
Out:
**5:16**
